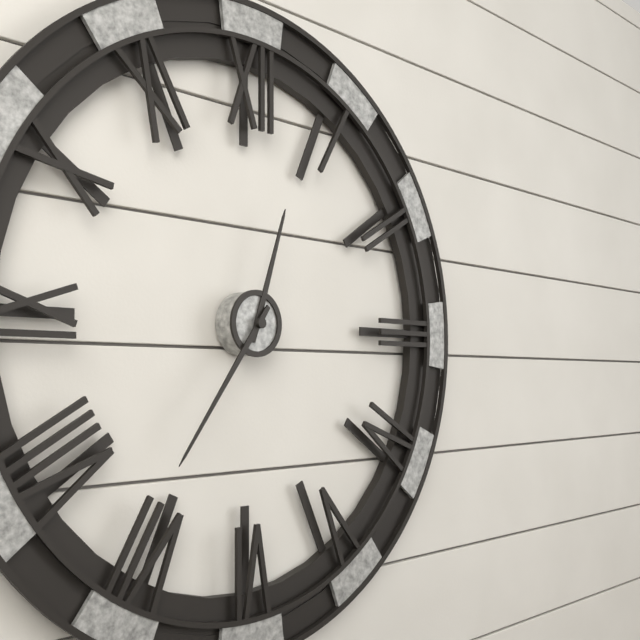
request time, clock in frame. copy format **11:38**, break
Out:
**12:36**
